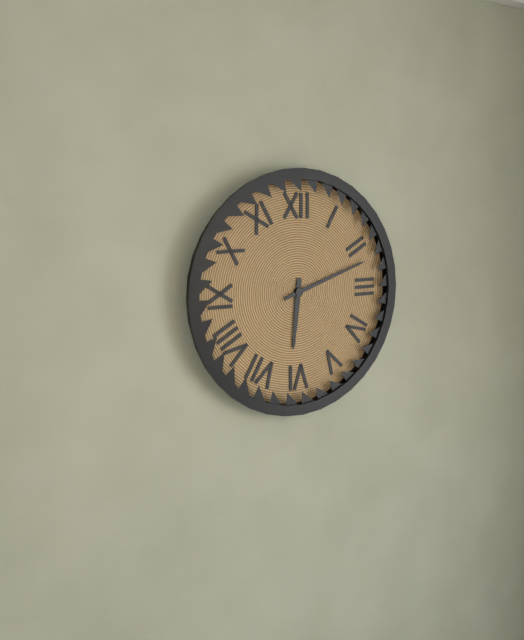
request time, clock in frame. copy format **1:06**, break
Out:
**6:12**
